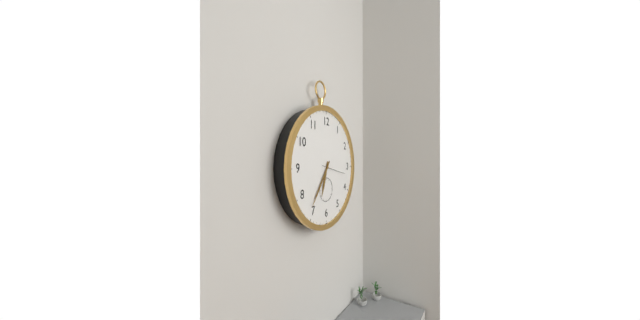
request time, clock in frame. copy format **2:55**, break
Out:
**6:36**
